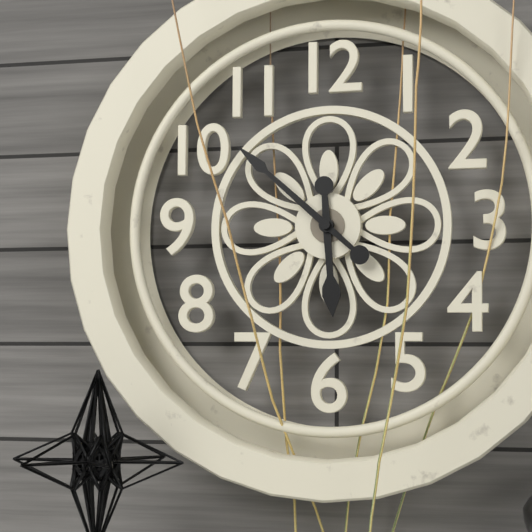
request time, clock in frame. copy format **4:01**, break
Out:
**5:52**
